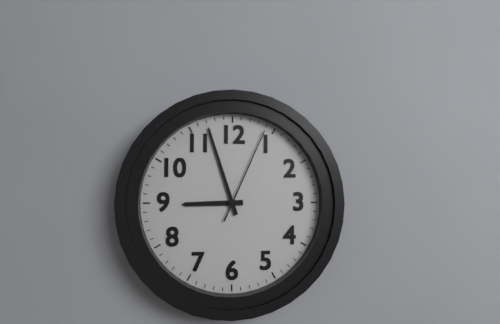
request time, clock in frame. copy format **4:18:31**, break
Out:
**8:57:04**
